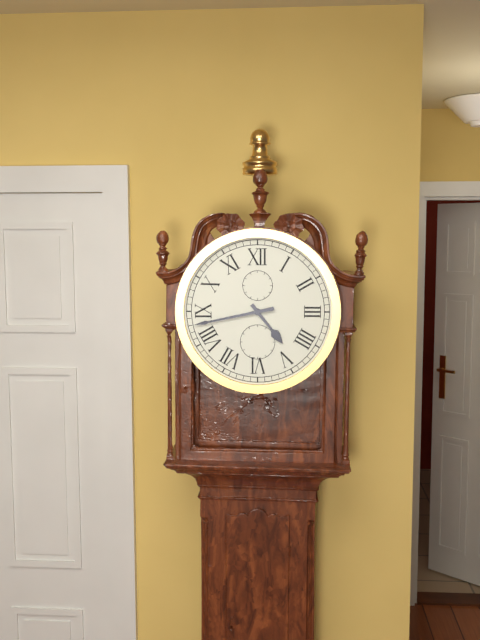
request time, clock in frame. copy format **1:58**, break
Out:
**4:43**
